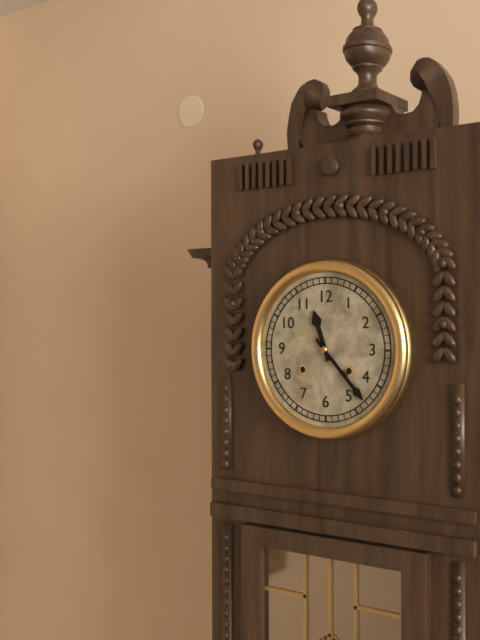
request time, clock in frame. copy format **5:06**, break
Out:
**11:23**
